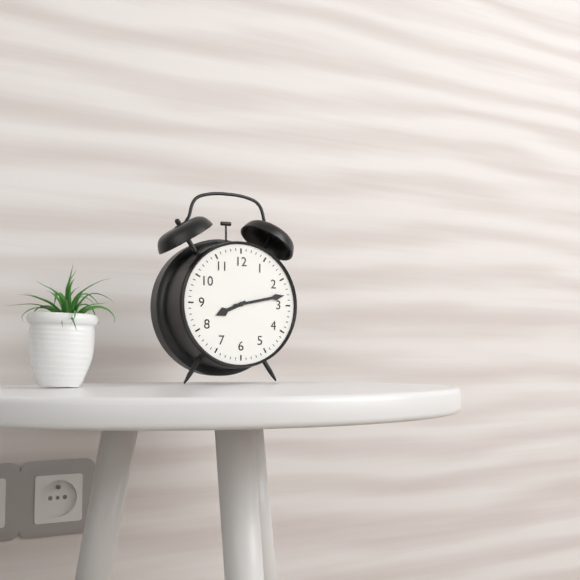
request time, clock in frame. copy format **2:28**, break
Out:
**8:13**
